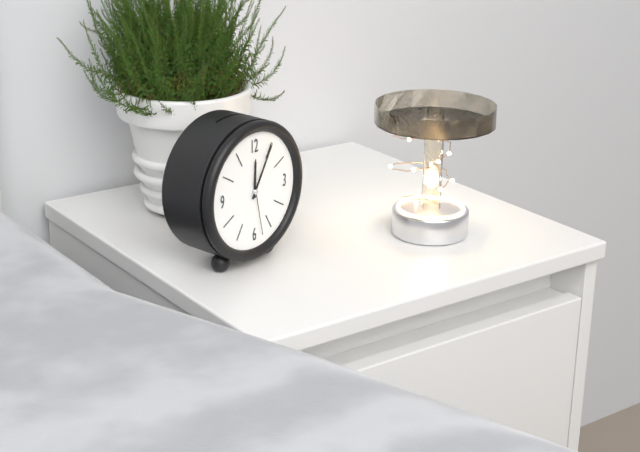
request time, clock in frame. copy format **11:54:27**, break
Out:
**12:05:28**
